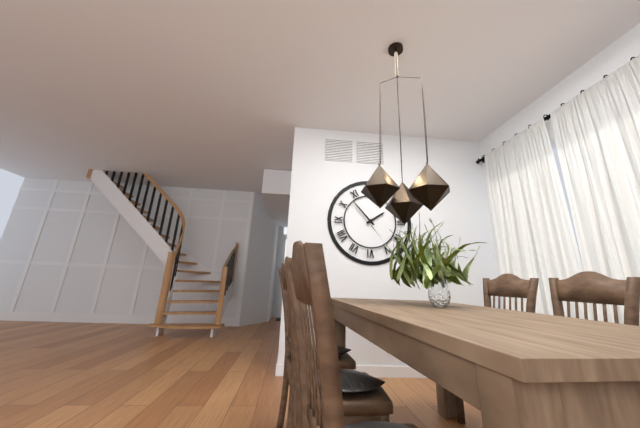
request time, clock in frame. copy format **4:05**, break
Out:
**1:53**
